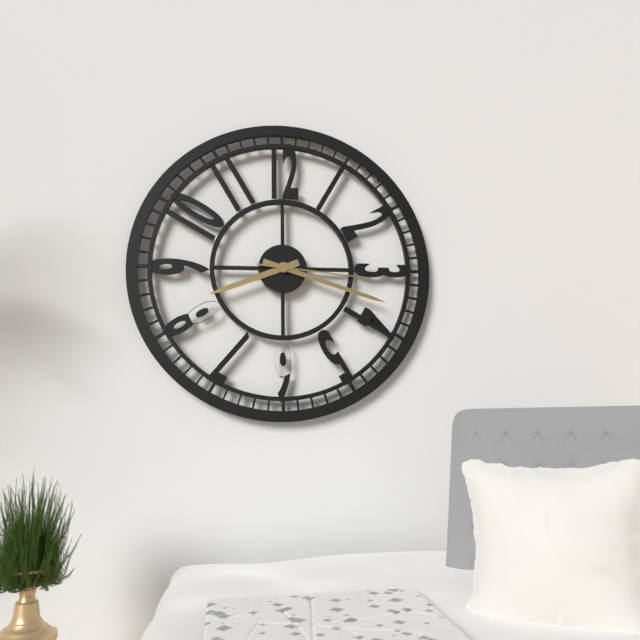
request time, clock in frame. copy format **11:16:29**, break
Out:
**8:18:16**
